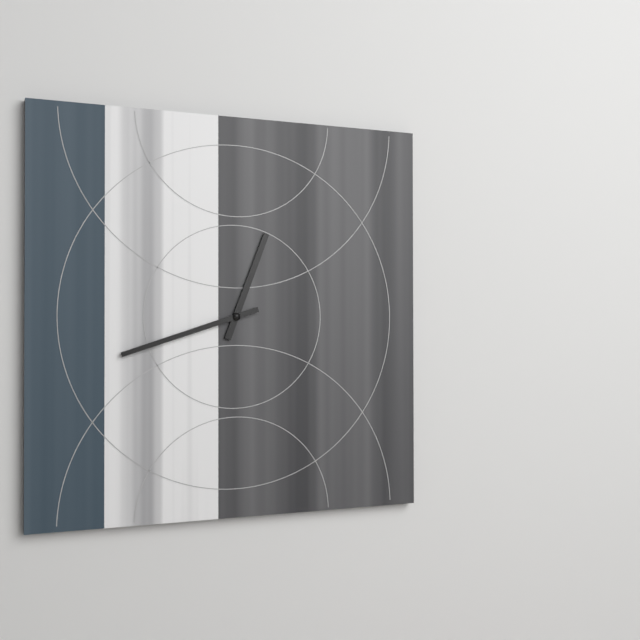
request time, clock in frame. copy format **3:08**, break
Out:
**12:42**
